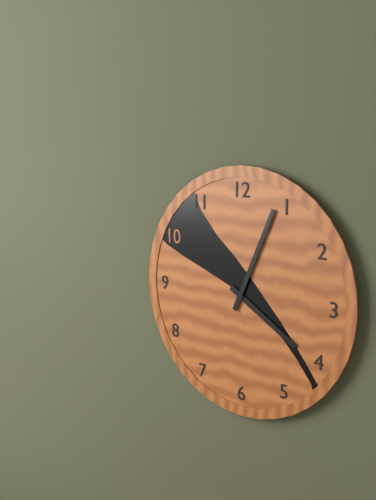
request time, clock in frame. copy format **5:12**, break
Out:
**4:04**
